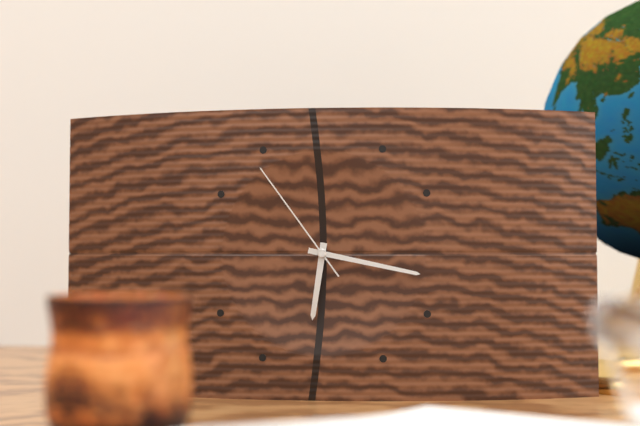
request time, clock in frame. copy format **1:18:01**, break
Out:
**6:17:54**
